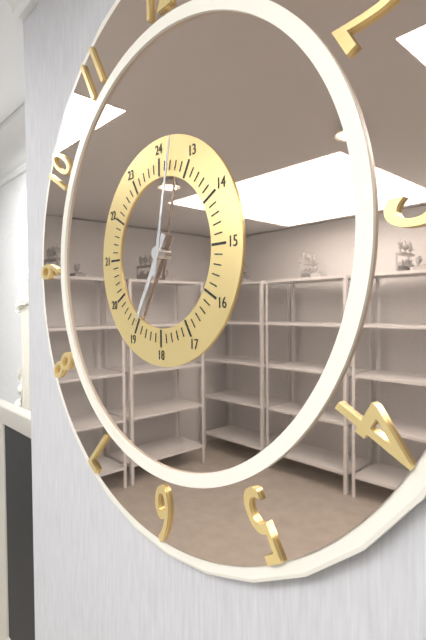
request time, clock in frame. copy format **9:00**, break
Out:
**7:02**
